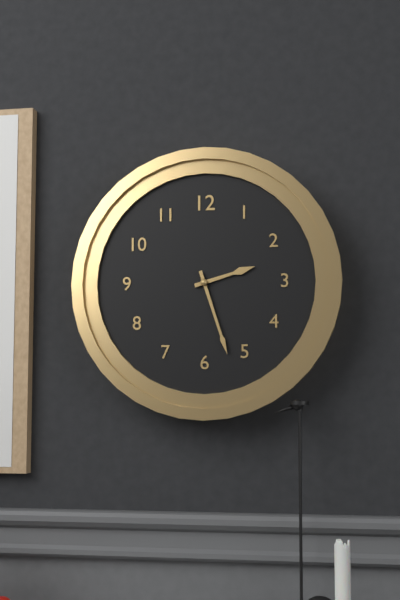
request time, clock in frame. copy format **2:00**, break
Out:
**2:27**
